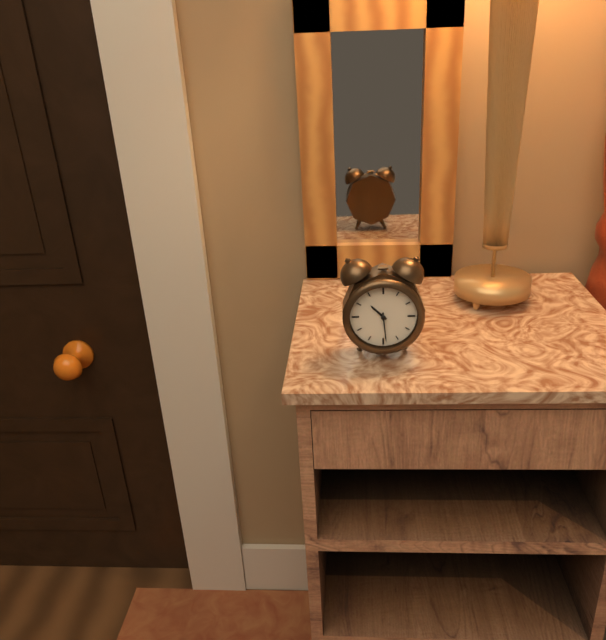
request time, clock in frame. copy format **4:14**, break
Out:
**10:29**
